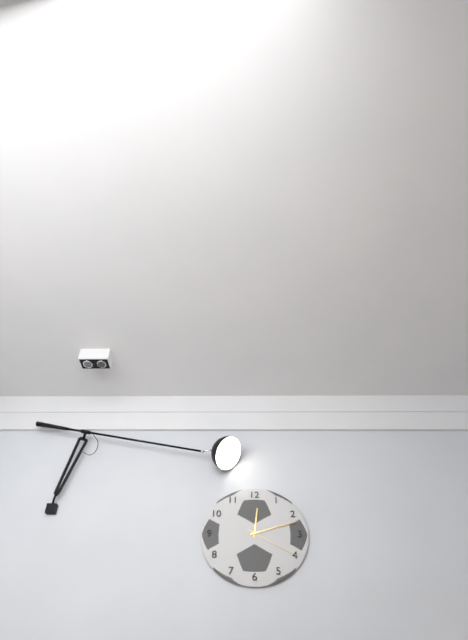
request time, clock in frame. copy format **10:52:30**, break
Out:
**12:12:20**
